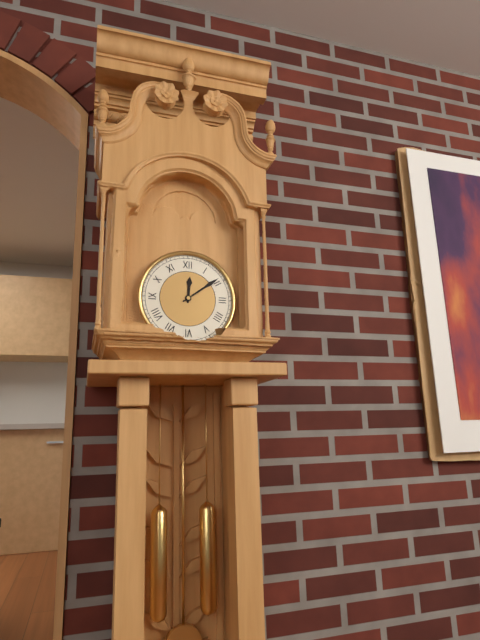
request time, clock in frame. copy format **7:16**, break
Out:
**12:09**
